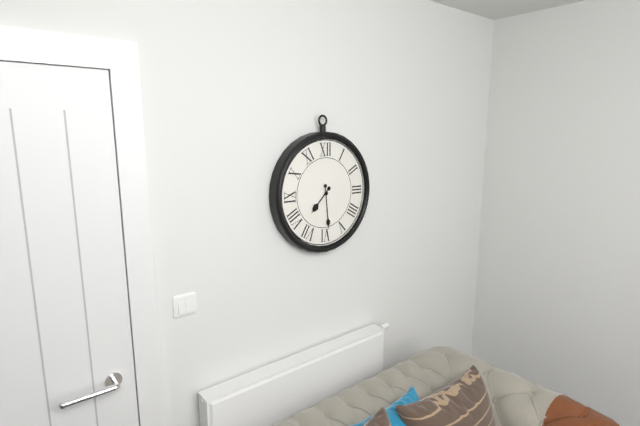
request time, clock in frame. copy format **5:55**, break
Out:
**7:29**
